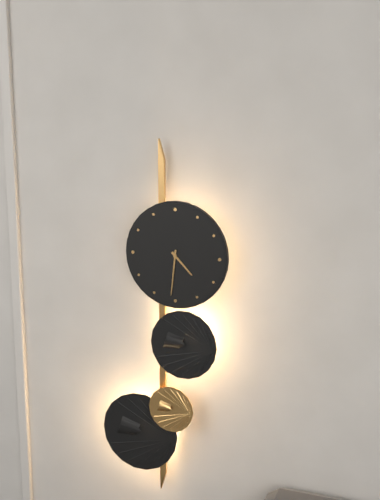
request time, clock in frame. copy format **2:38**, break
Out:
**4:31**
